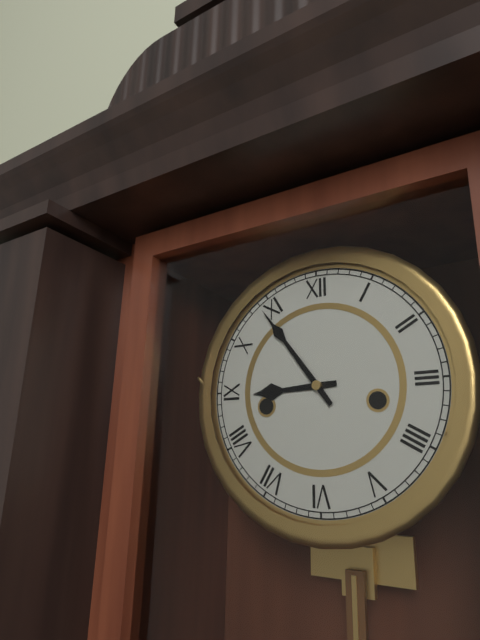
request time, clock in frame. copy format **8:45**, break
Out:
**8:54**
